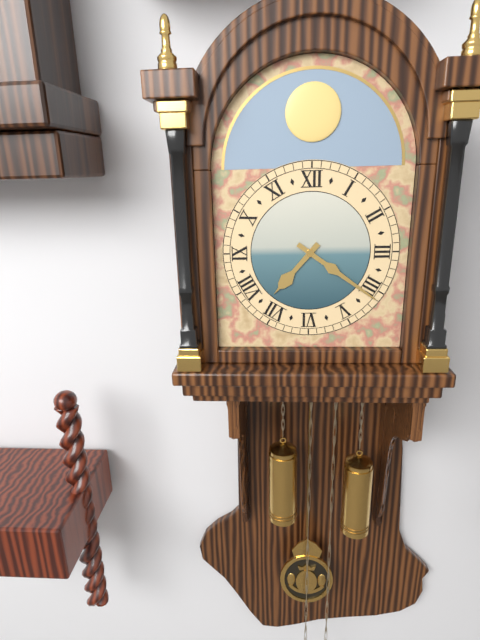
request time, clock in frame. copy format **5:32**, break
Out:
**7:21**
